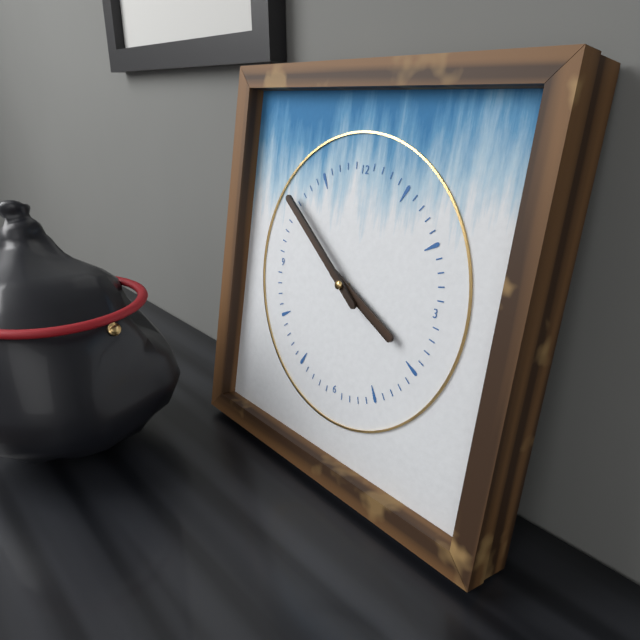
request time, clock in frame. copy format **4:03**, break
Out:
**3:51**
